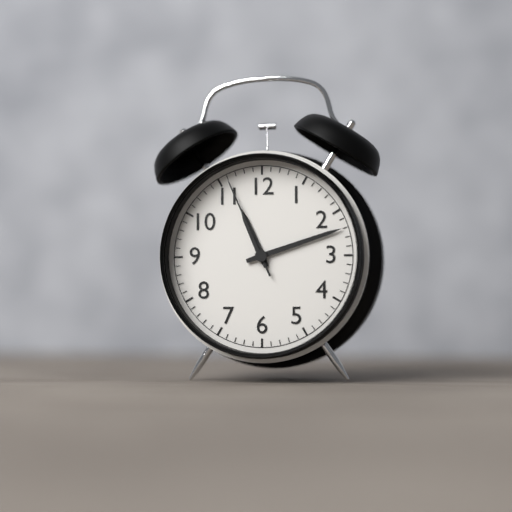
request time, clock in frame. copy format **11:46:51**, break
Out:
**11:12:56**
